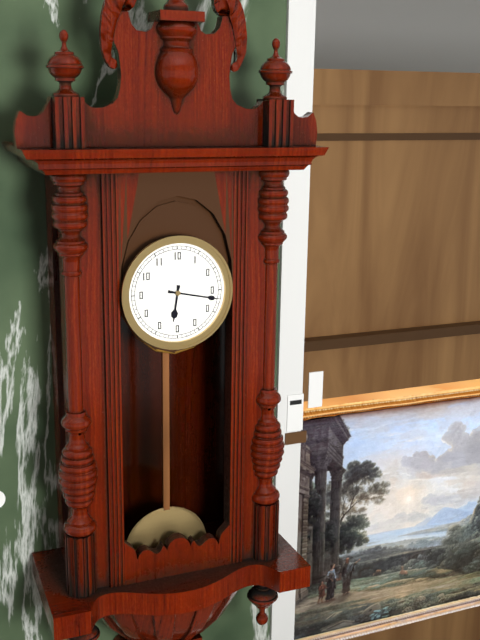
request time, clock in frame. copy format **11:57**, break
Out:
**6:17**
